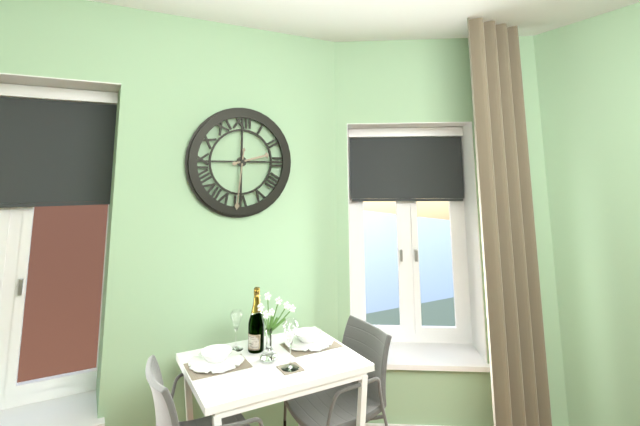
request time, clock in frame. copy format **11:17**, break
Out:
**2:31**
